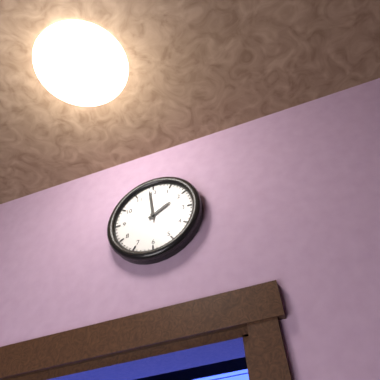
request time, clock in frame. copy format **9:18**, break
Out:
**1:59**
